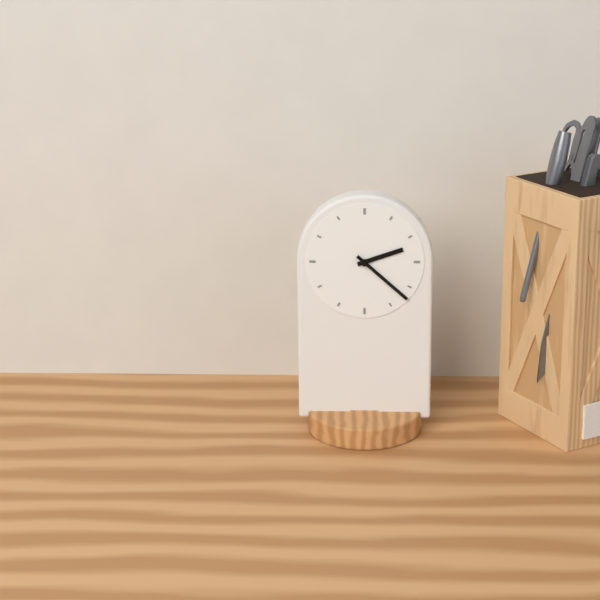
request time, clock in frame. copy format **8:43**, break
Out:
**2:22**
